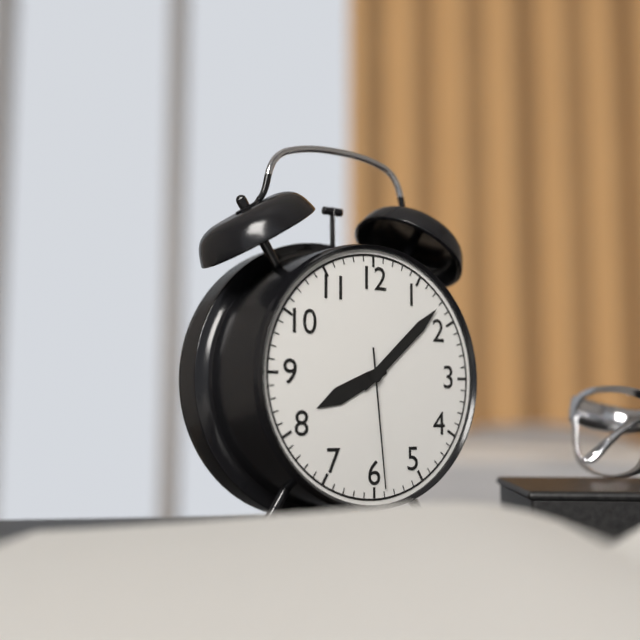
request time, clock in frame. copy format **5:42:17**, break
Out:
**8:08:29**
